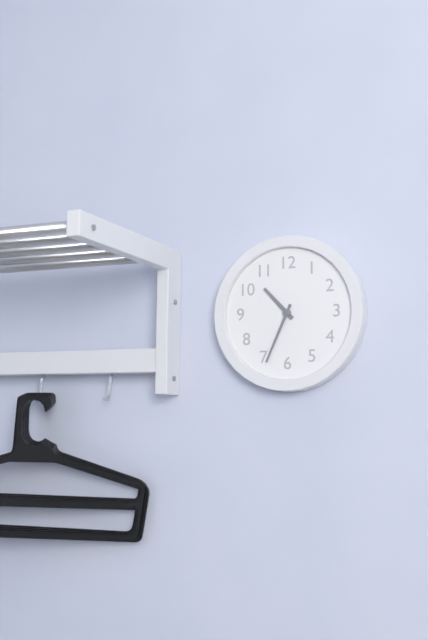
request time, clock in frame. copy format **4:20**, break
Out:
**10:34**
